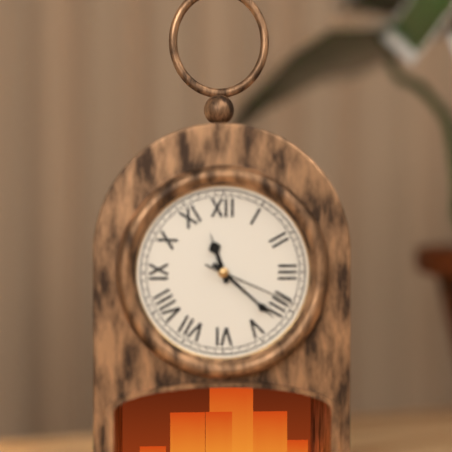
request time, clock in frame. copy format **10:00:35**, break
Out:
**11:22:19**
